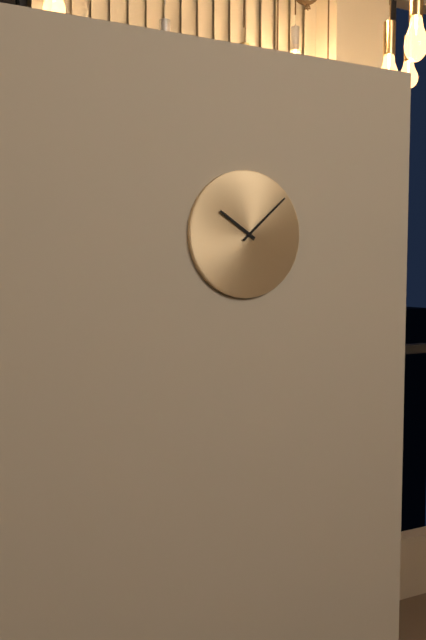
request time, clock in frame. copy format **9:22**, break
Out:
**10:08**
